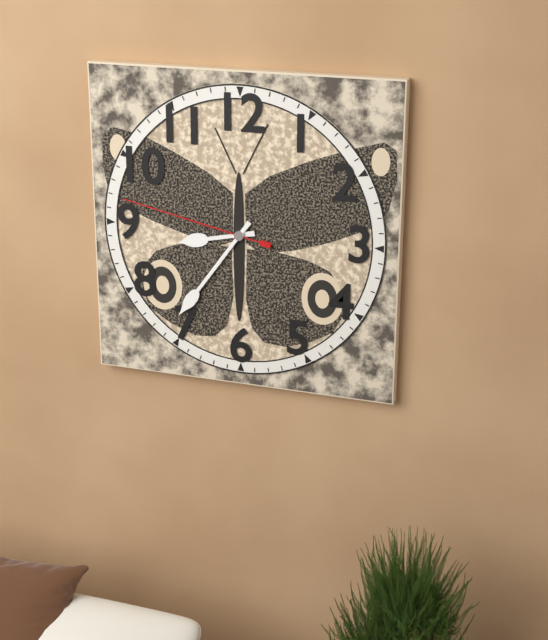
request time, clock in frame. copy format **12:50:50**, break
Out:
**8:36:47**
